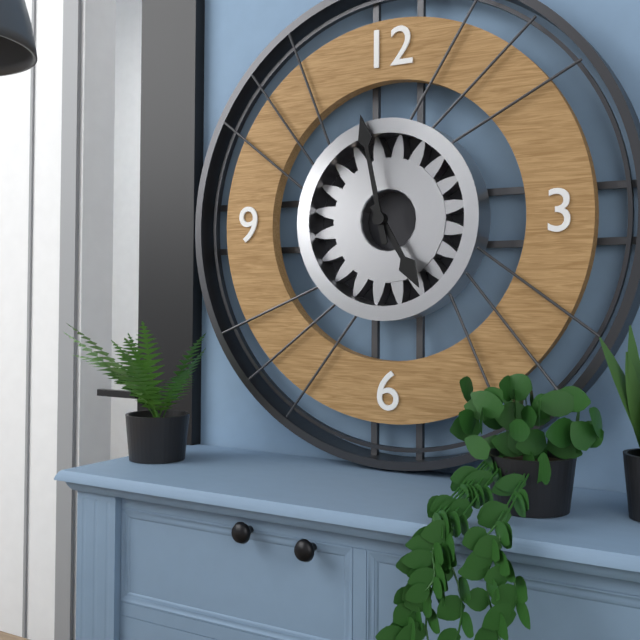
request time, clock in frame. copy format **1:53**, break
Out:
**4:58**
